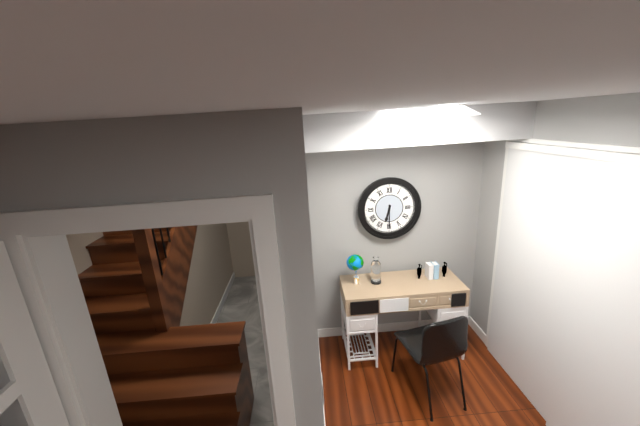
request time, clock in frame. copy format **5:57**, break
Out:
**6:30**
